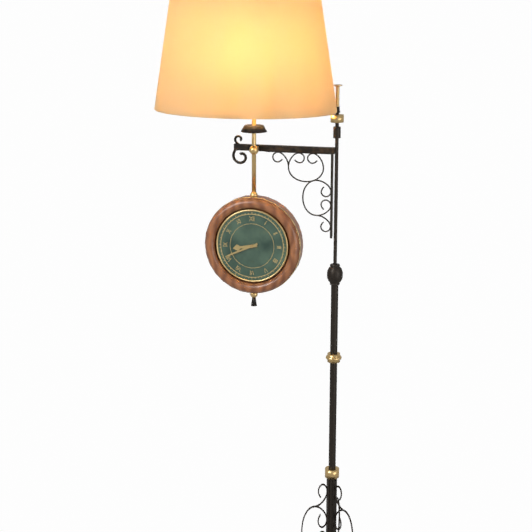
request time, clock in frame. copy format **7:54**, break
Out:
**8:41**
